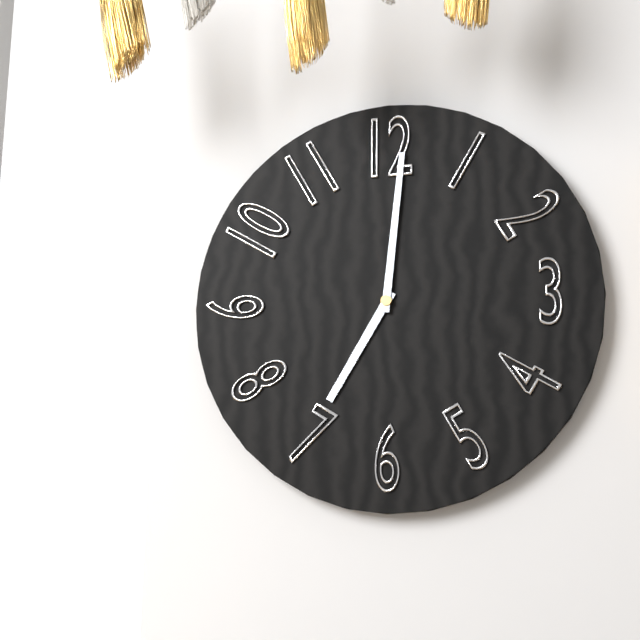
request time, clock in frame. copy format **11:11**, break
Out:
**7:01**
